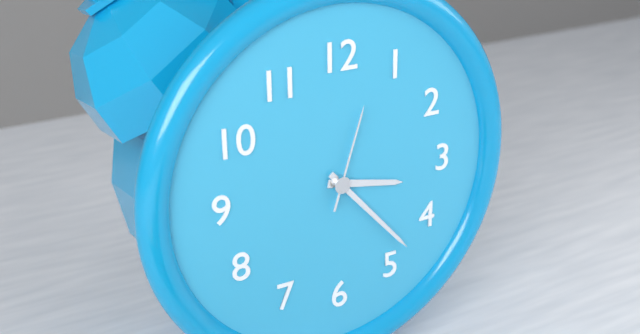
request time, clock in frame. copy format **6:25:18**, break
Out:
**3:23:03**
